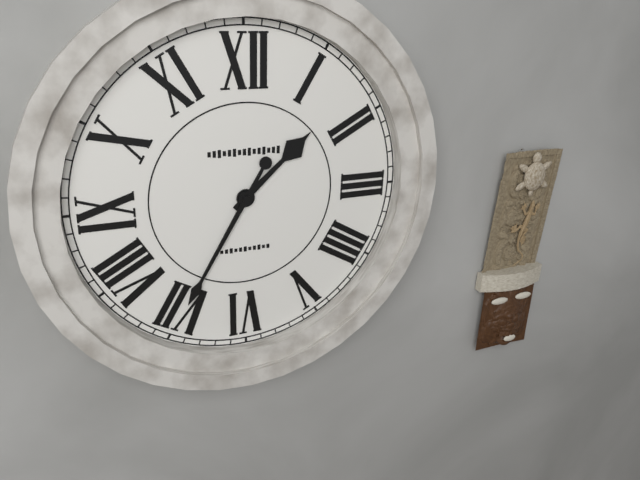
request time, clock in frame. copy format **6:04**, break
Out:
**1:35**
